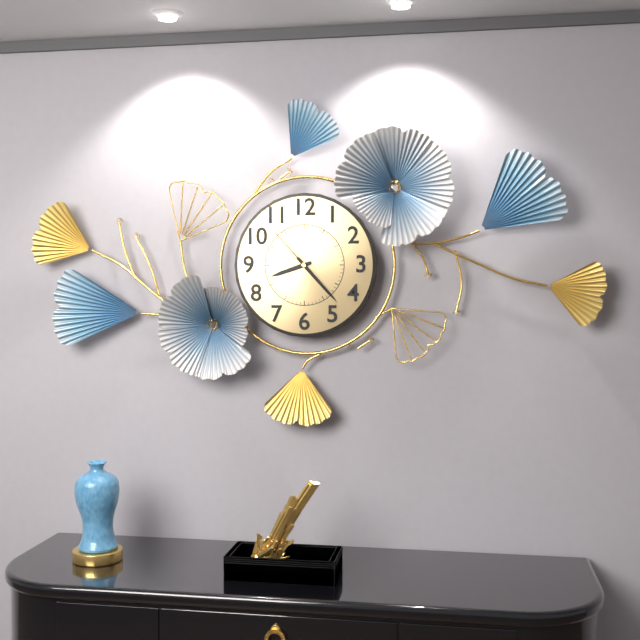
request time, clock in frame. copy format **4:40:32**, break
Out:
**8:23:53**
